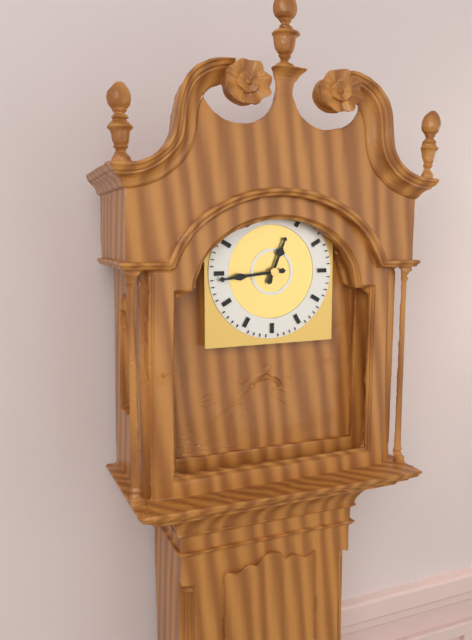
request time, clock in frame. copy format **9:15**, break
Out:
**12:44**
